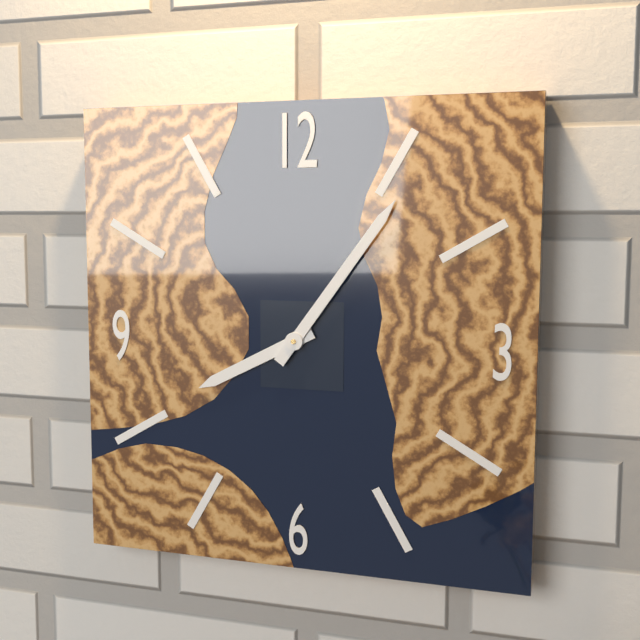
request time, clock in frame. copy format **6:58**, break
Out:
**8:06**
